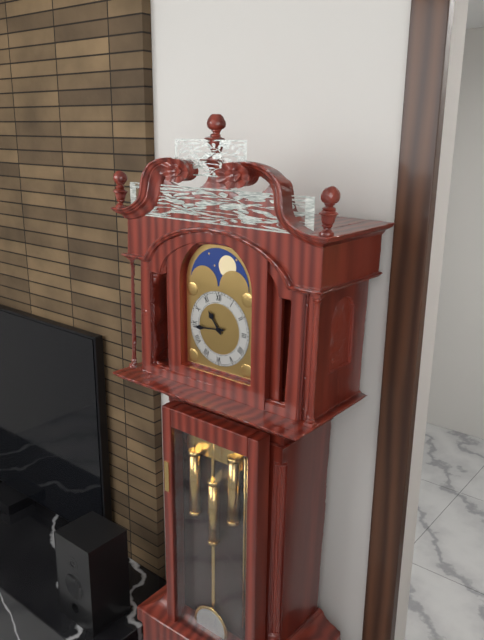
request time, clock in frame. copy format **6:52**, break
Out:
**10:44**
